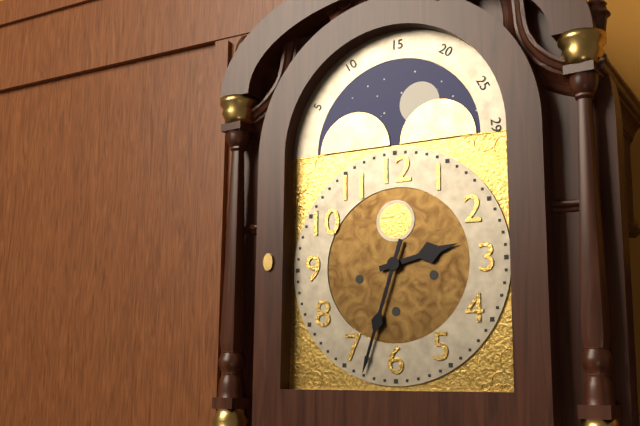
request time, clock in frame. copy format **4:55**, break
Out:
**2:33**
